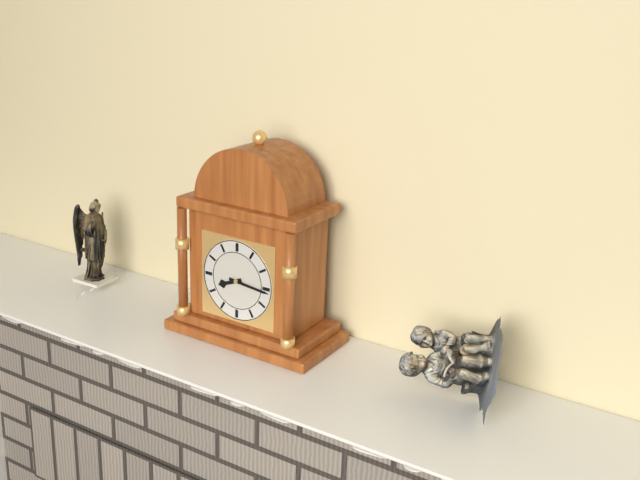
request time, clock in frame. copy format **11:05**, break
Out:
**8:16**
